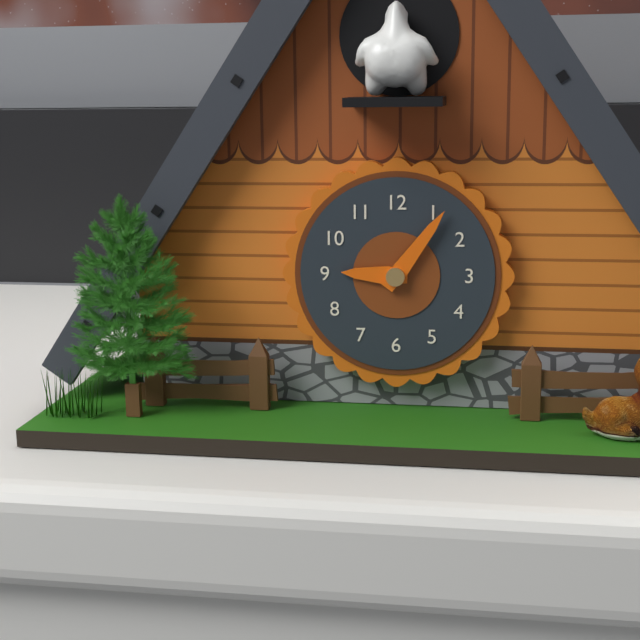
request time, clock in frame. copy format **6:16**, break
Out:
**9:06**
